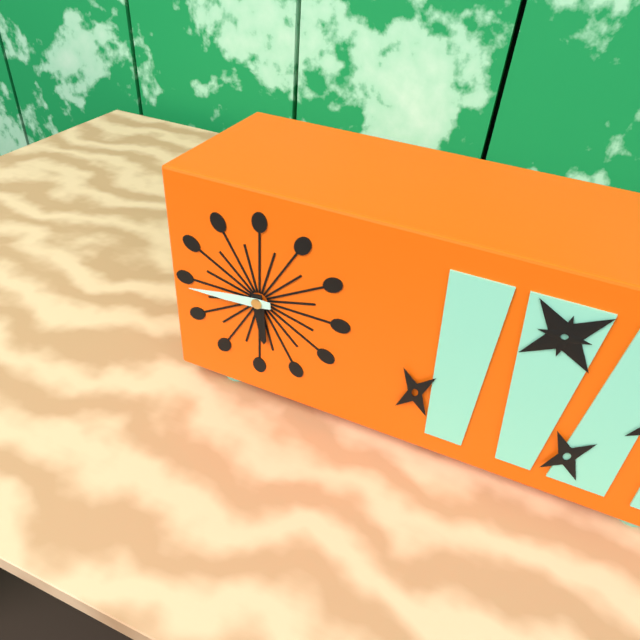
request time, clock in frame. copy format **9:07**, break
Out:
**5:44**
